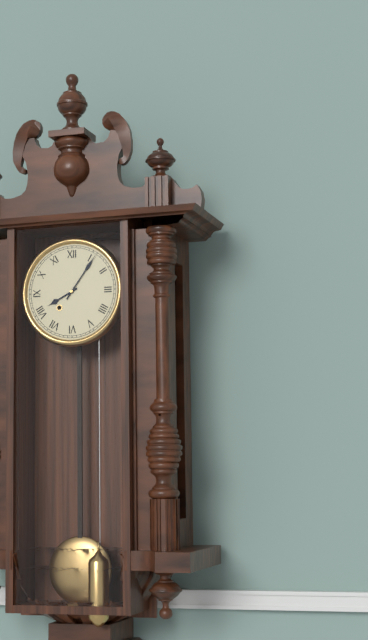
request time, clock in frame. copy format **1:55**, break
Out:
**8:06**
